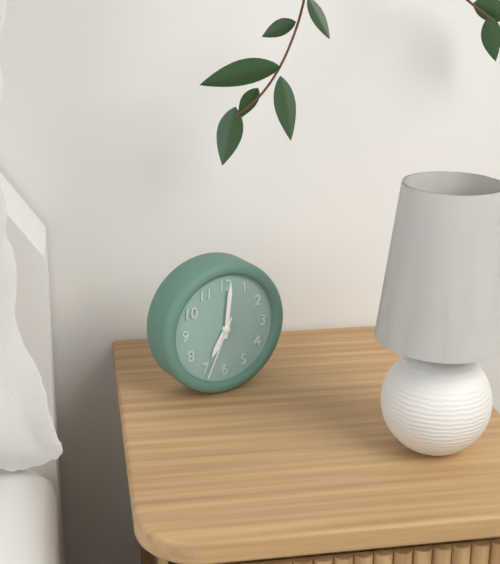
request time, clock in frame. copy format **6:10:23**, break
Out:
**7:01:34**
